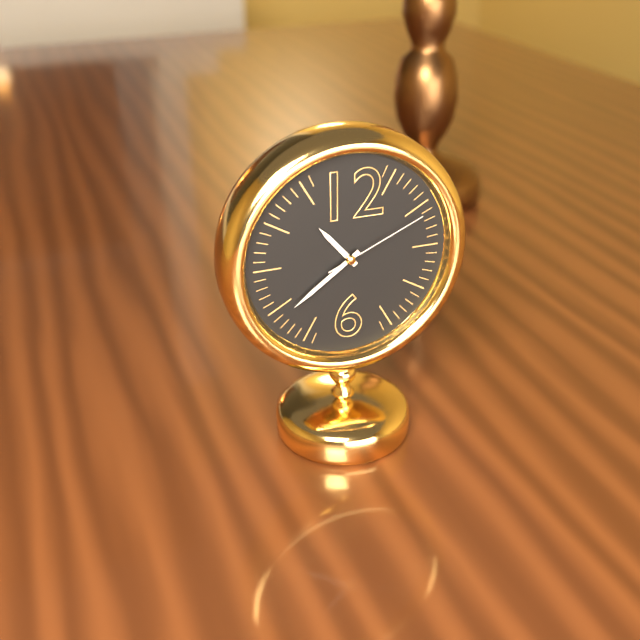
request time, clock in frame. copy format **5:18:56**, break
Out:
**10:39:11**
